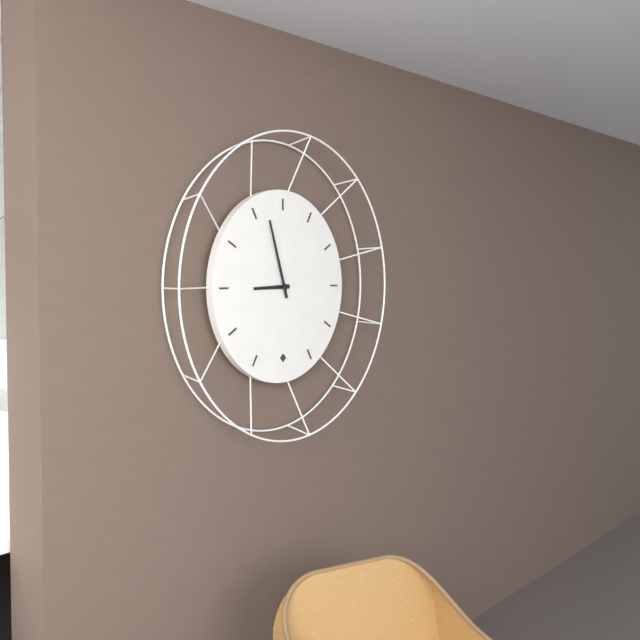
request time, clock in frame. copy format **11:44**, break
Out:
**8:57**
